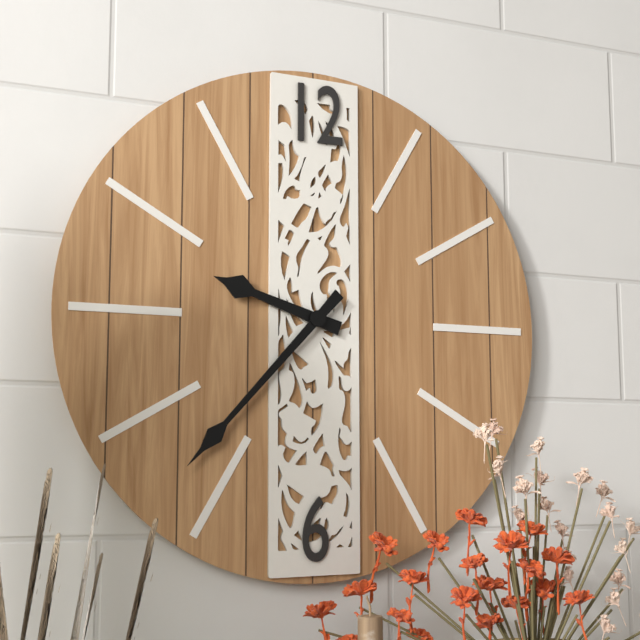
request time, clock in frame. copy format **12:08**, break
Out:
**9:37**
